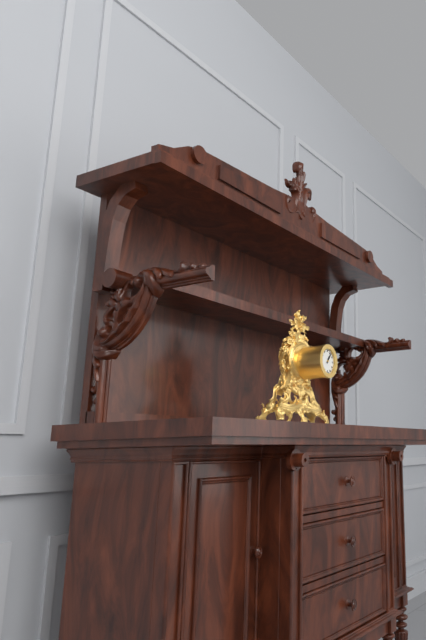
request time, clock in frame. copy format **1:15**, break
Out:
**1:06**
